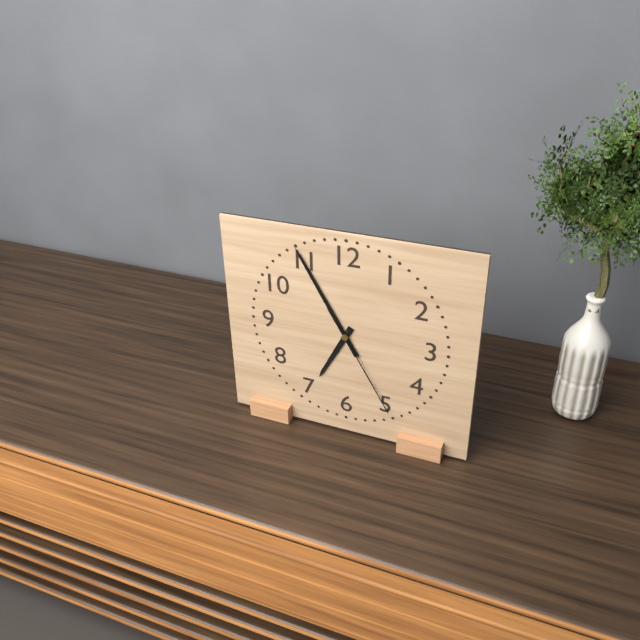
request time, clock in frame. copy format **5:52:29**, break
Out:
**6:55:25**
